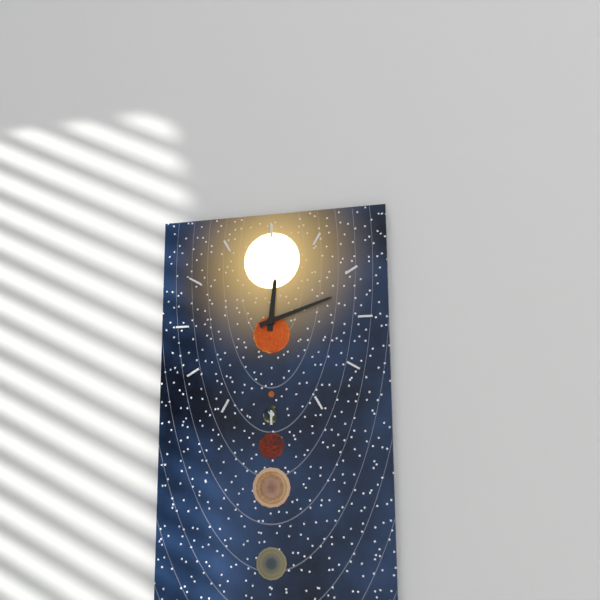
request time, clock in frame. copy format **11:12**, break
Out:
**12:12**
